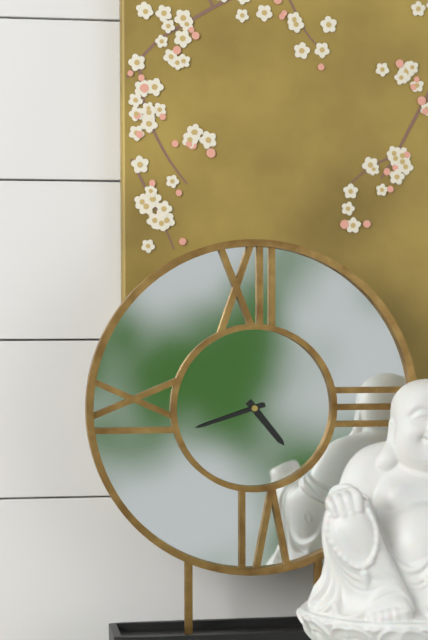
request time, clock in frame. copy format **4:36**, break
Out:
**4:42**
